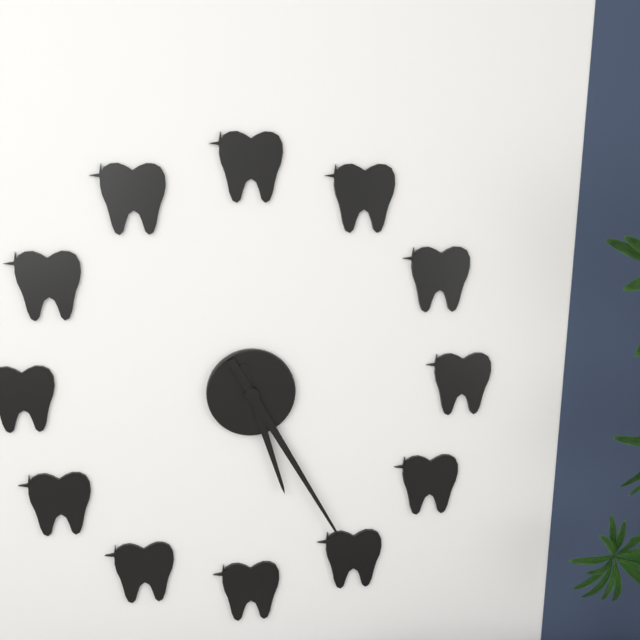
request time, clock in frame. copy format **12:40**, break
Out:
**5:25**
